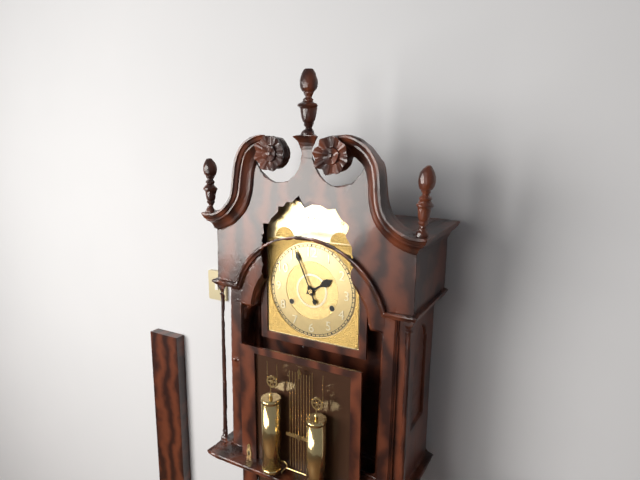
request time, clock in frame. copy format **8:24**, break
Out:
**1:56**
